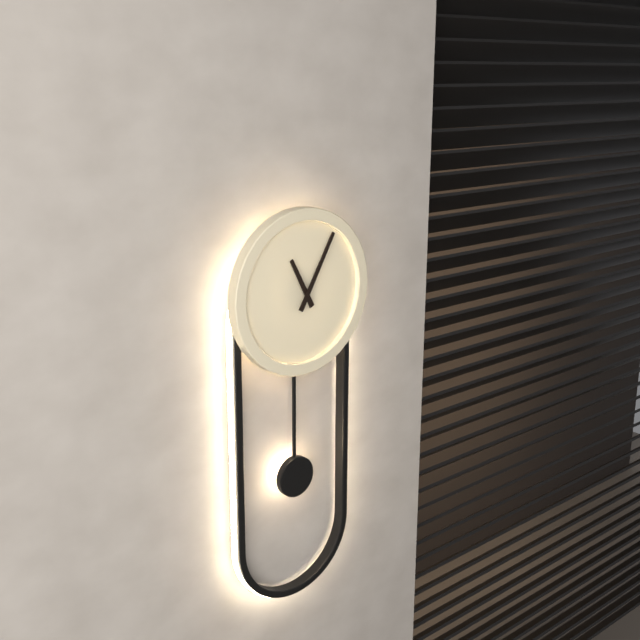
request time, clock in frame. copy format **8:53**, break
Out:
**11:05**
